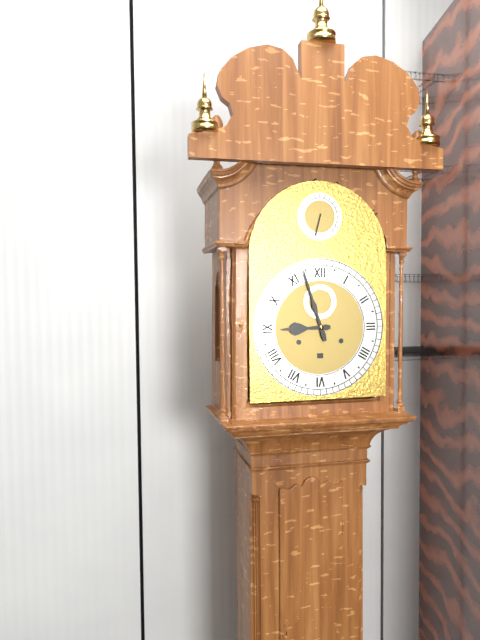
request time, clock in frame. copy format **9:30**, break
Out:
**8:57**
